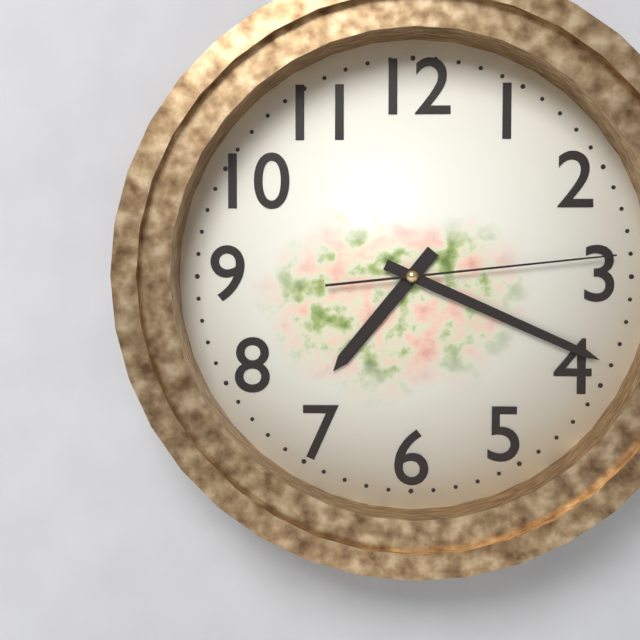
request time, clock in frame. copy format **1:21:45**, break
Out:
**7:19:14**
